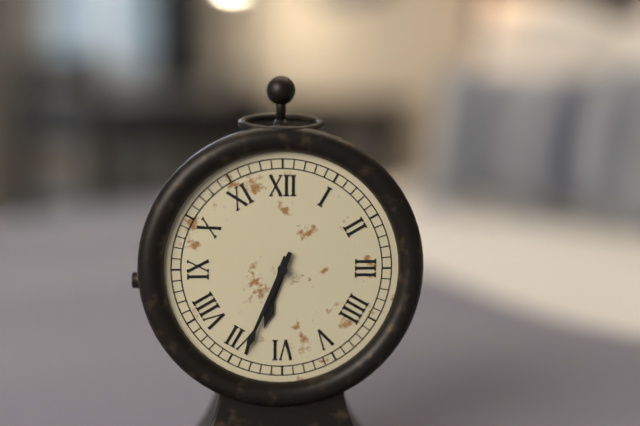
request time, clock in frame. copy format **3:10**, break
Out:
**6:34**
